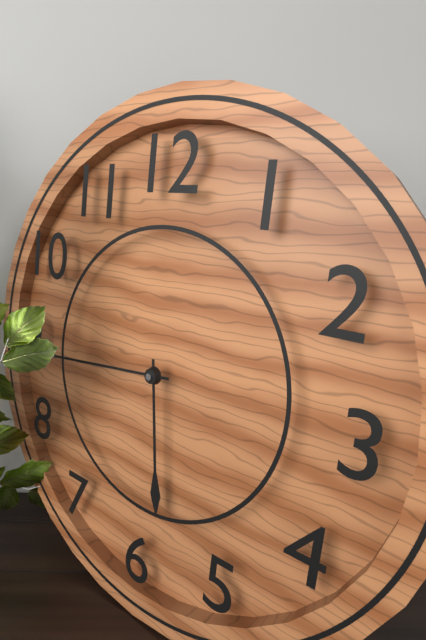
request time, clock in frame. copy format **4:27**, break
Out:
**5:44**
